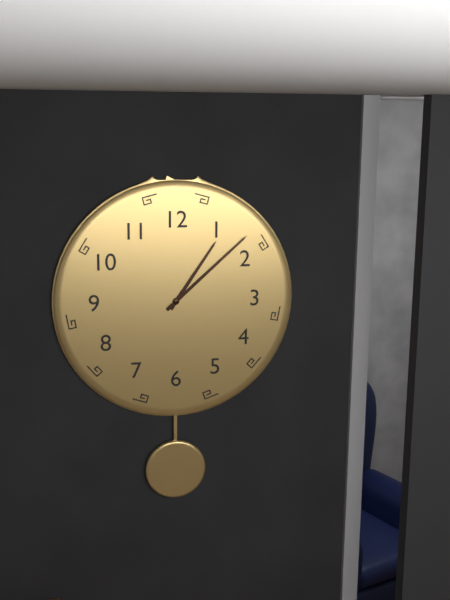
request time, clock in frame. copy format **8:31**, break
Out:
**1:08**
